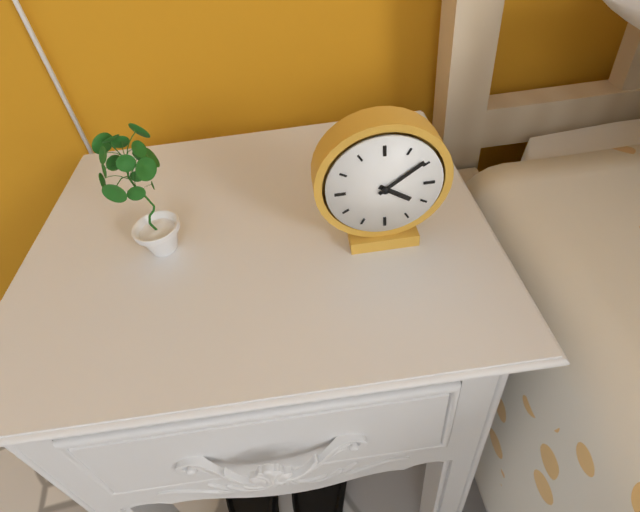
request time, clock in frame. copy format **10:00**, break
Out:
**4:09**
